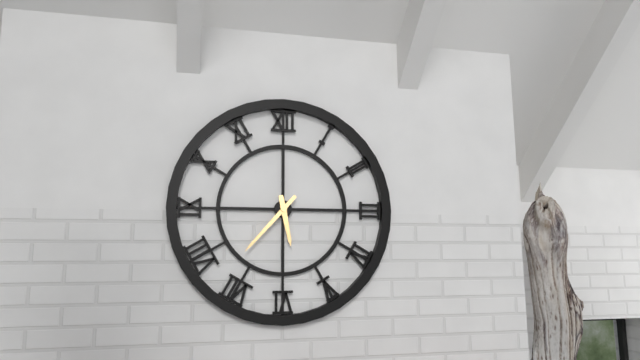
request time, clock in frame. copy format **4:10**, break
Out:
**5:37**
